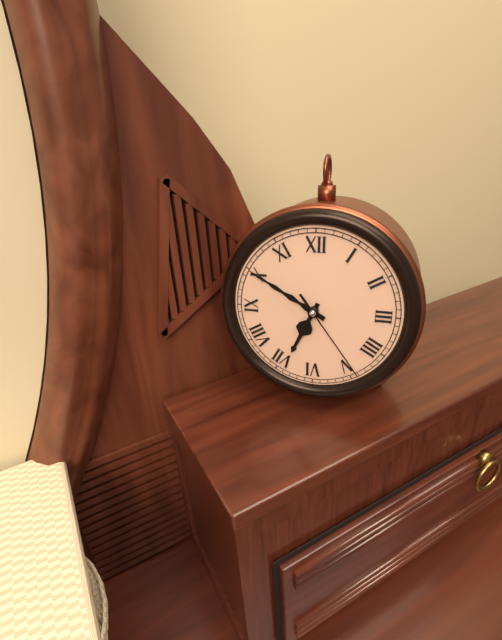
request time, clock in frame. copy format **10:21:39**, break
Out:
**6:50:24**
